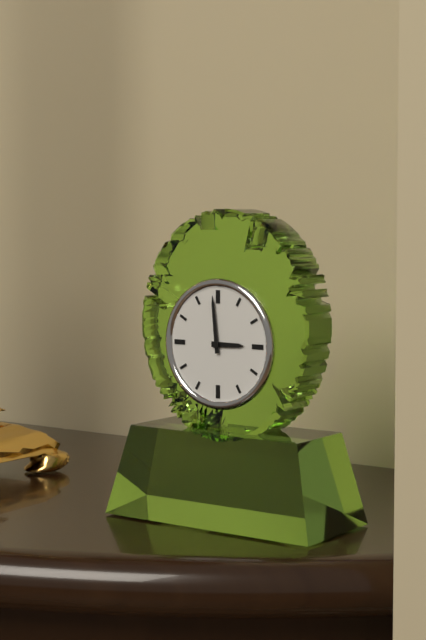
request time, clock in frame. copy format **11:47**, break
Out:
**2:59**
